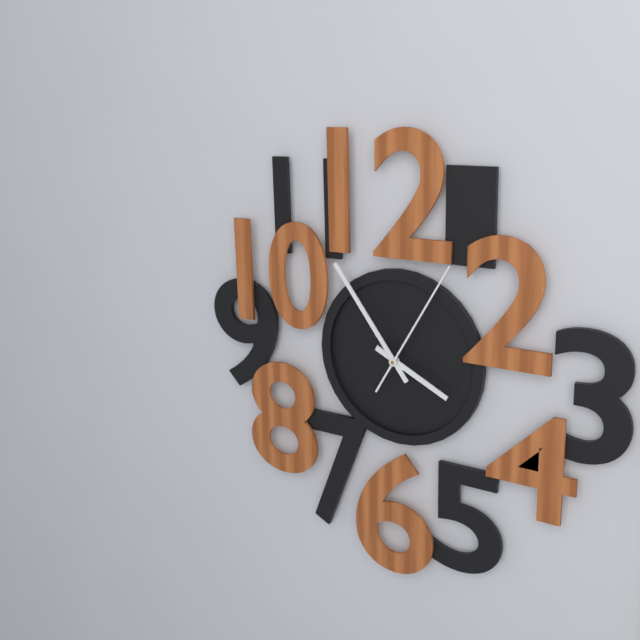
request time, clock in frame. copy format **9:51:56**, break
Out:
**3:54:05**
